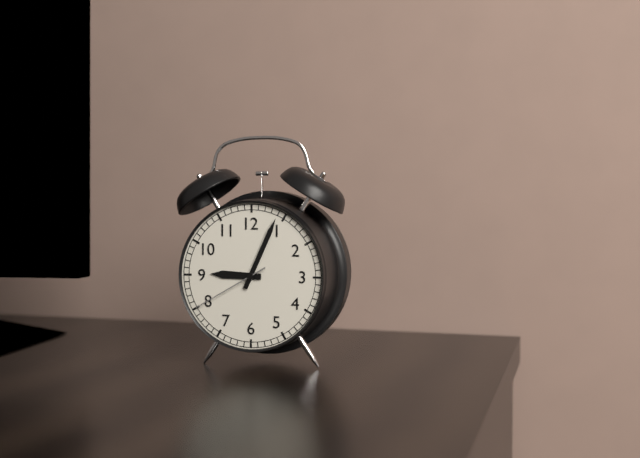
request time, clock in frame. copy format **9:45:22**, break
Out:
**9:04:40**
